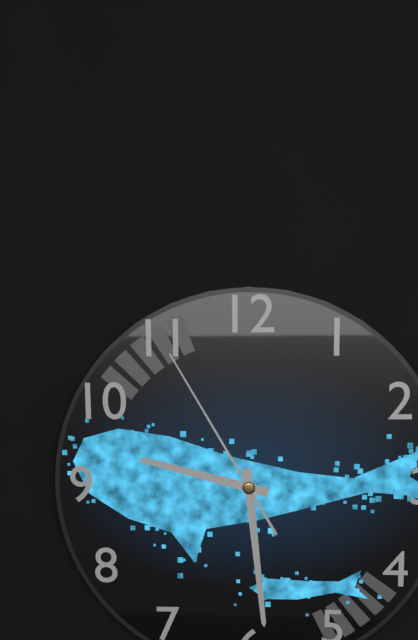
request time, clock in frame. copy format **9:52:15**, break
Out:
**9:29:55**
